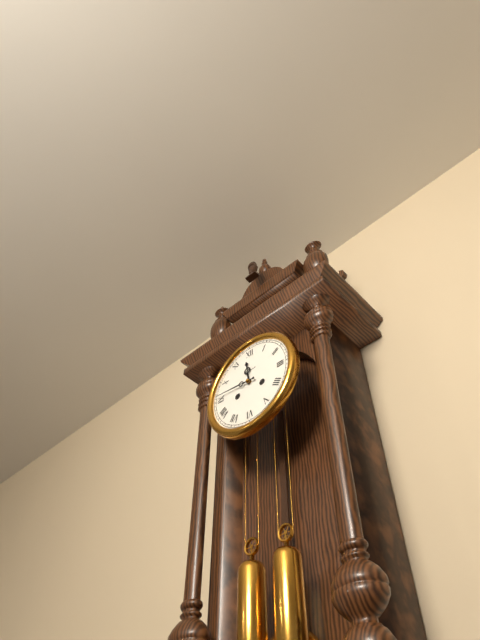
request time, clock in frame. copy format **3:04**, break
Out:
**11:46**
